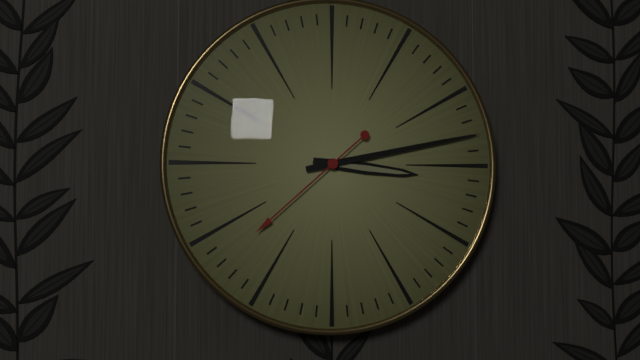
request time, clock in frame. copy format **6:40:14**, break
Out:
**3:13:38**
